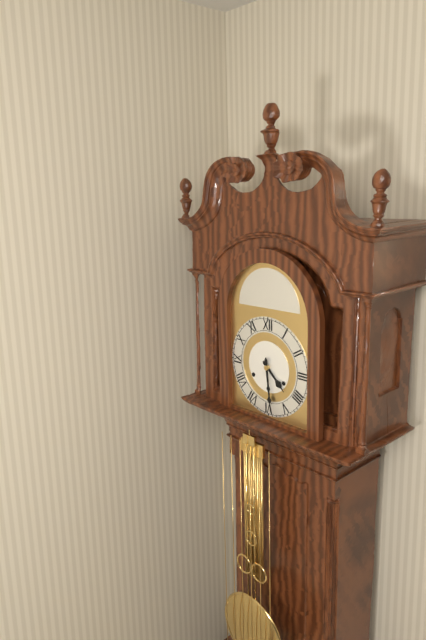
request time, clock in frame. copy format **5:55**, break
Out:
**4:29**
